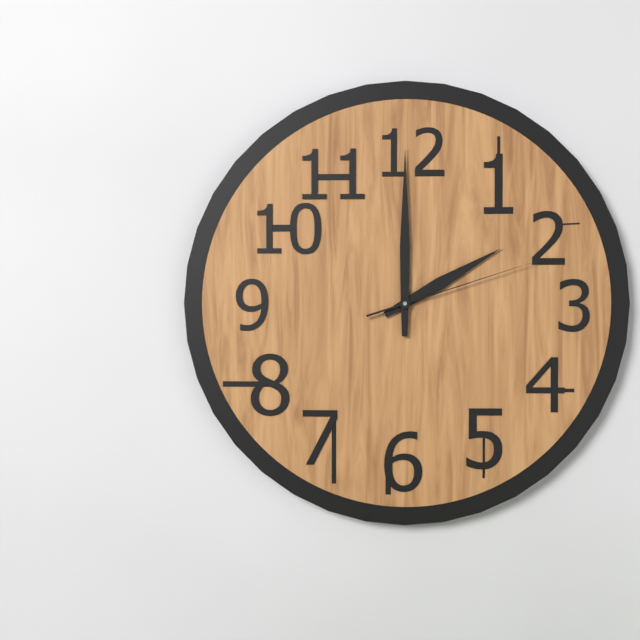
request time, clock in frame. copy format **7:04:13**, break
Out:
**2:00:12**
